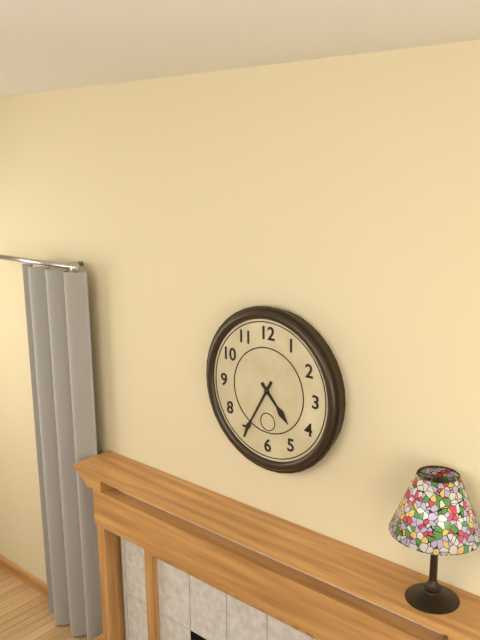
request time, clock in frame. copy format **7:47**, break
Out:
**4:35**
